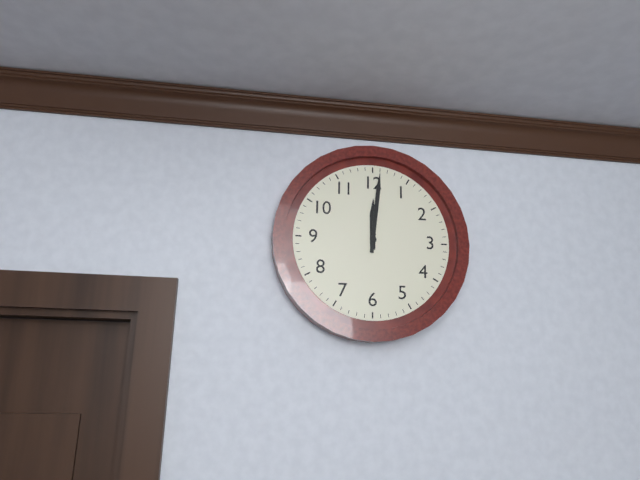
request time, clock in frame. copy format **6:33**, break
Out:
**12:01**
